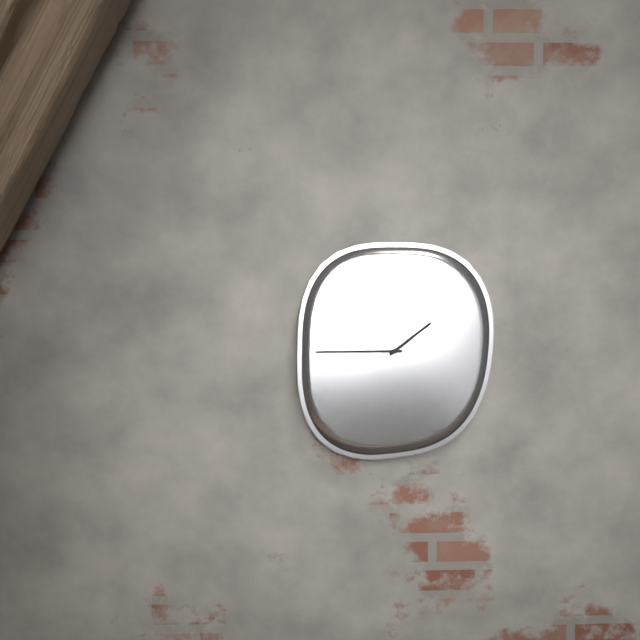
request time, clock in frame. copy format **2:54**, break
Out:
**1:45**
